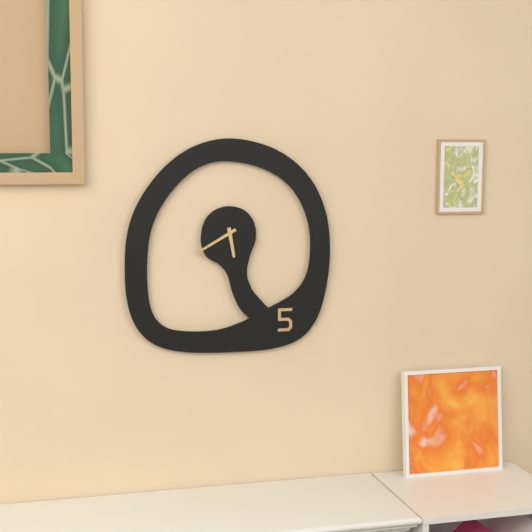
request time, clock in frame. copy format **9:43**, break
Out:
**5:40**
